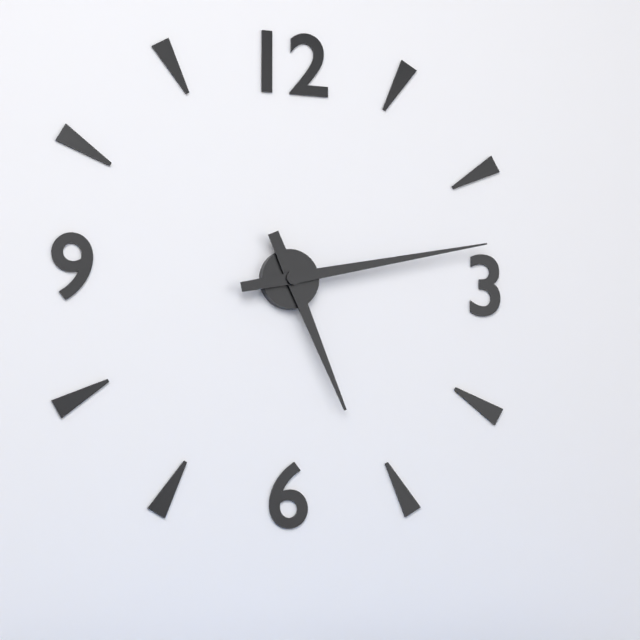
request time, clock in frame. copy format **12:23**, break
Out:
**5:13**
